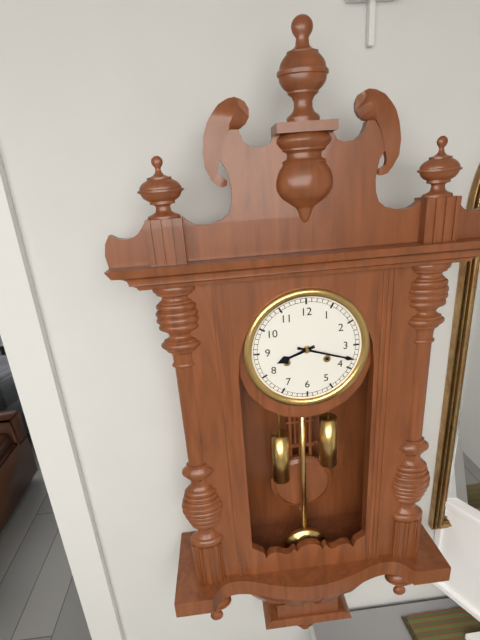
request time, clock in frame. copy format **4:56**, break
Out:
**8:18**
